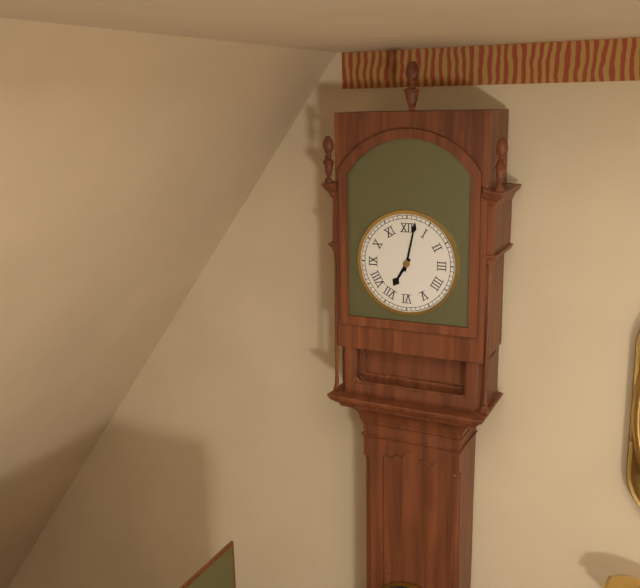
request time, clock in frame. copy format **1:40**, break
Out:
**7:02**
